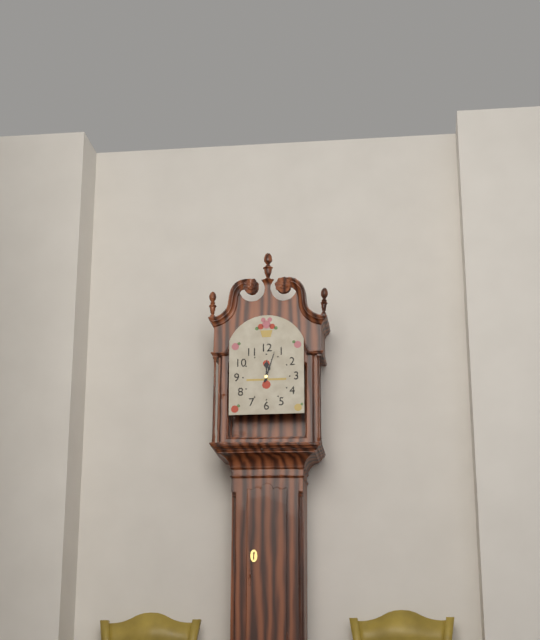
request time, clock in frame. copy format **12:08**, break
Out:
**12:03**
